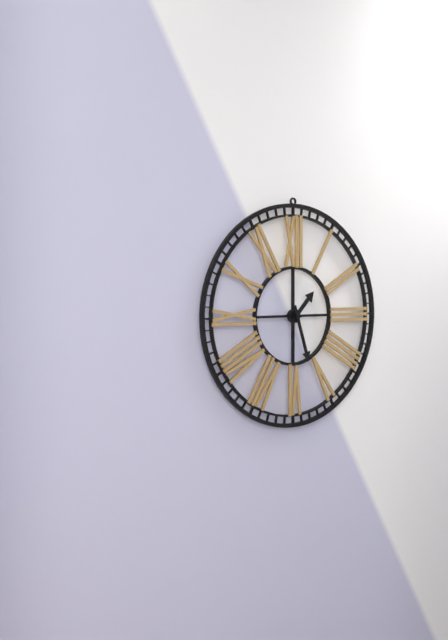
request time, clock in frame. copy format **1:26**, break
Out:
**1:27**
